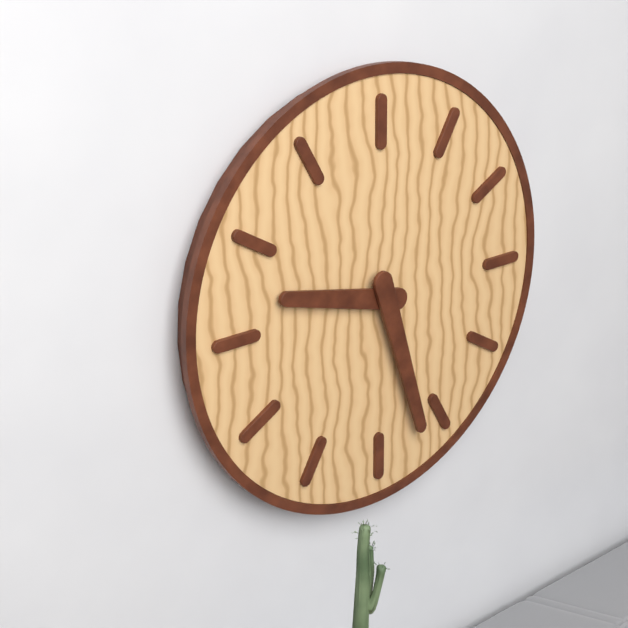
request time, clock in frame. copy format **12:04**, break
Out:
**9:27**
